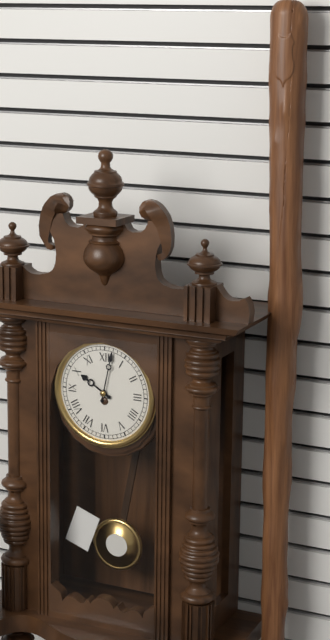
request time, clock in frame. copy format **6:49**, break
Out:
**10:02**
